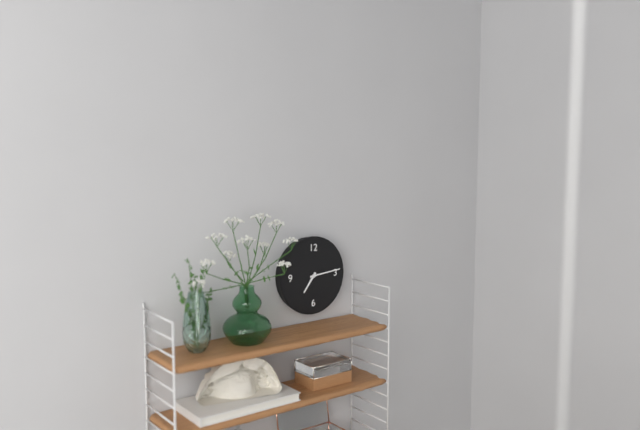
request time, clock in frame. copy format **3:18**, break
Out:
**7:14**
